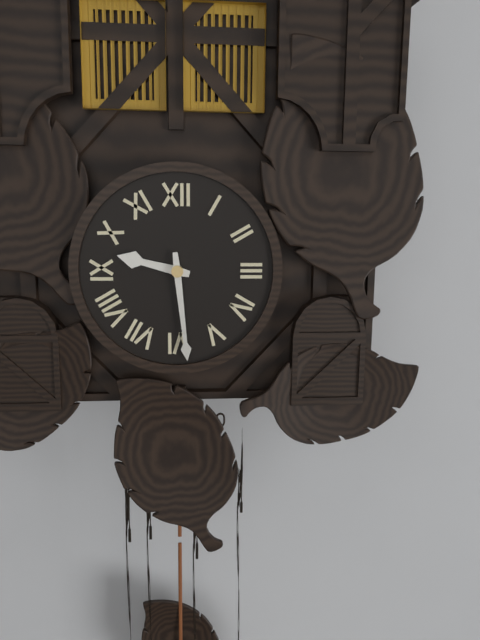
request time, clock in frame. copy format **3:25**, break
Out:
**9:29**
